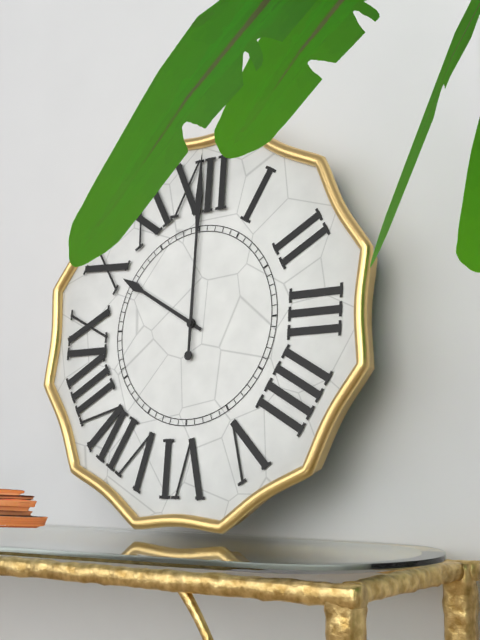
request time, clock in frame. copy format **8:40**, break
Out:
**10:00**
